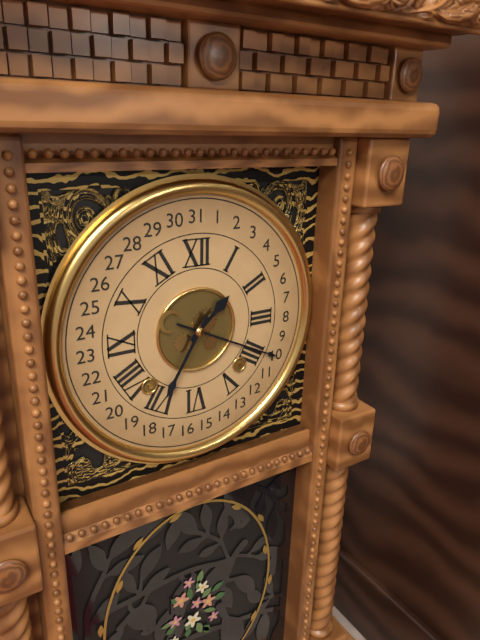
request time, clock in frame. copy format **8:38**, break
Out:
**1:35**
